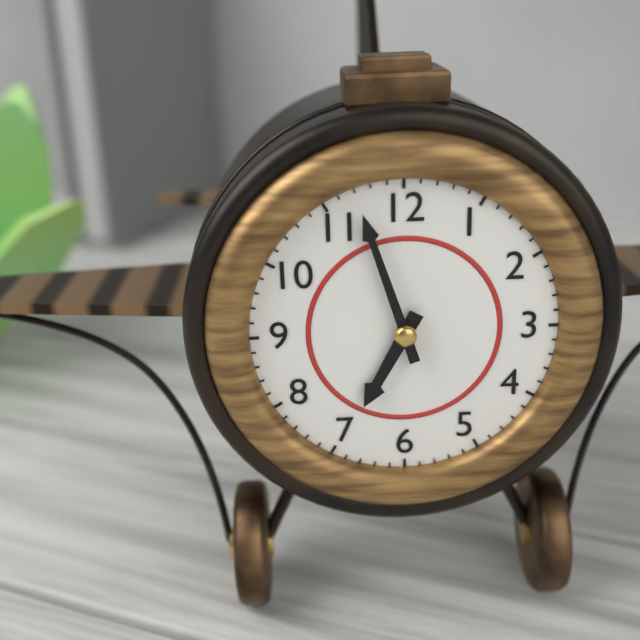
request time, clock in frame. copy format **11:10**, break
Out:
**6:57**
